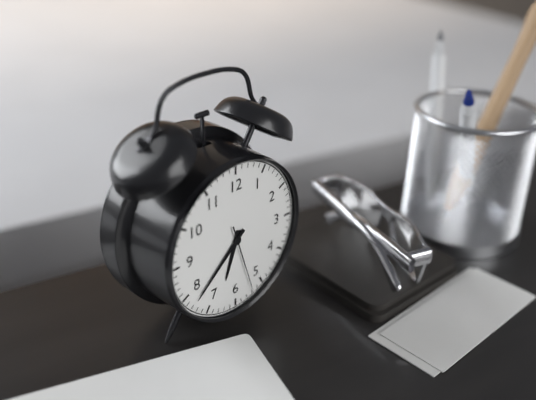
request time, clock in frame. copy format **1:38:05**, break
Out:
**6:38:27**
